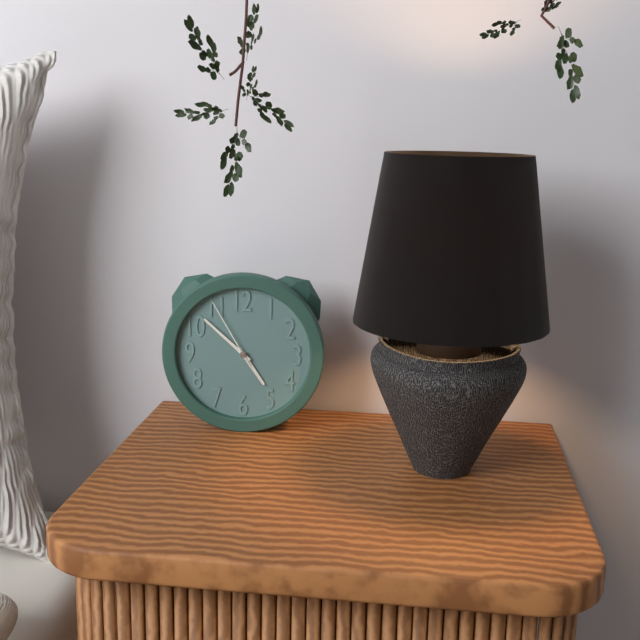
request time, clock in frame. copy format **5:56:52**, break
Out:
**4:52:55**
